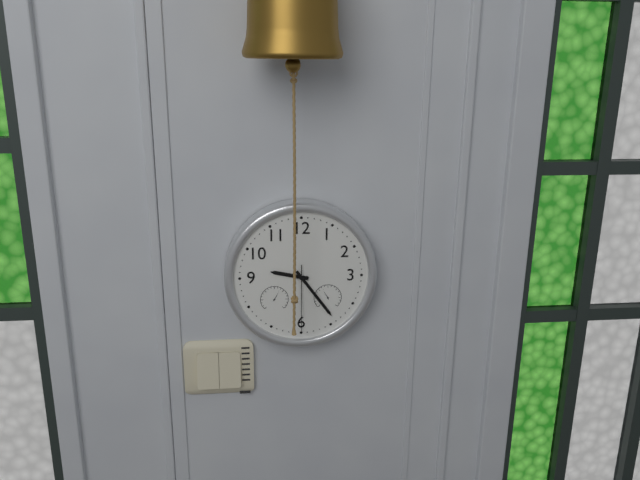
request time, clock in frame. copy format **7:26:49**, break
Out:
**9:24:30**
